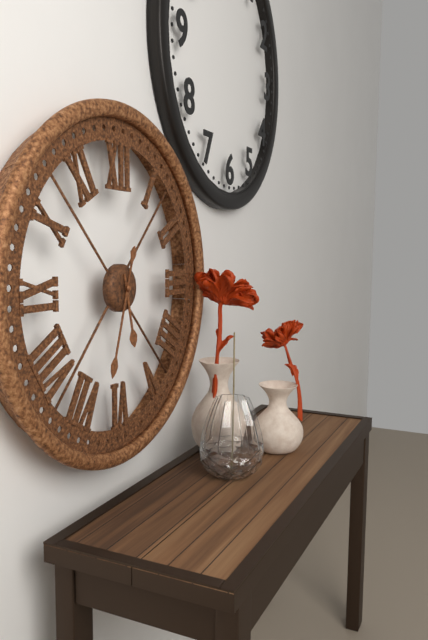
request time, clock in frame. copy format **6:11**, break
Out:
**5:33**
